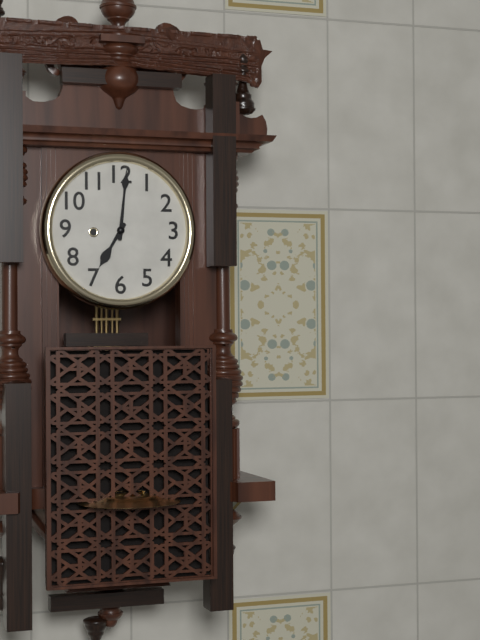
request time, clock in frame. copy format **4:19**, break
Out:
**7:01**
